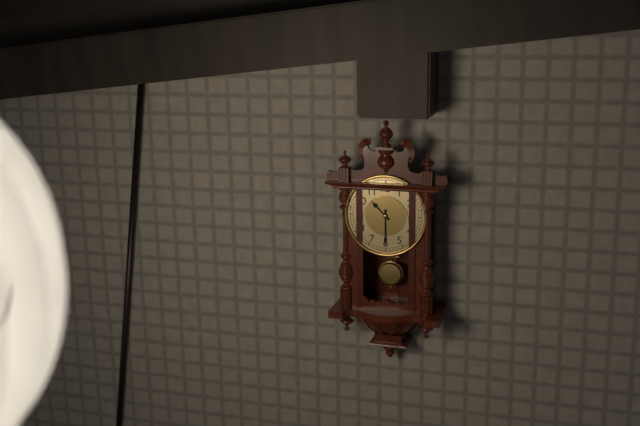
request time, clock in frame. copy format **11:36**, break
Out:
**10:30**
